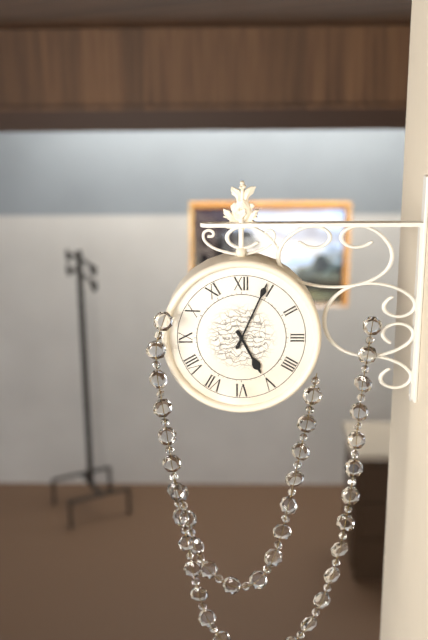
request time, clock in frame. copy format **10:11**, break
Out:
**5:04**
